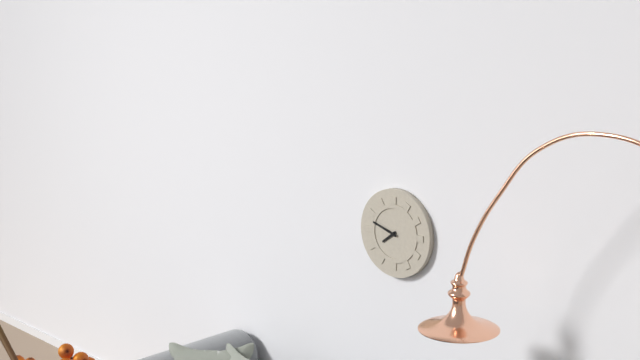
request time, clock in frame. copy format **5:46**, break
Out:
**7:48**
